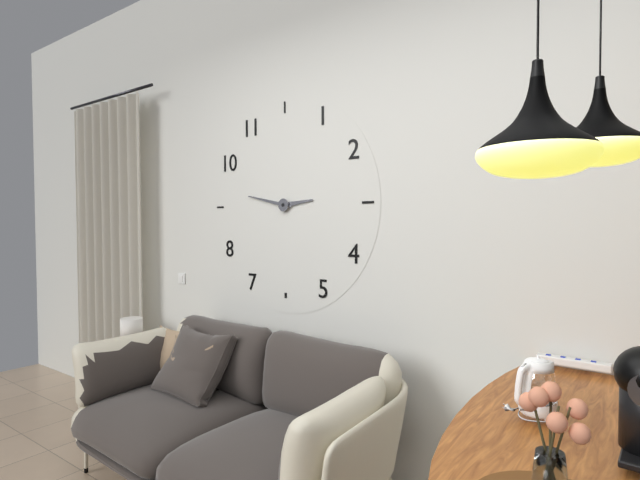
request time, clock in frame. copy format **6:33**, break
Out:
**2:47**
